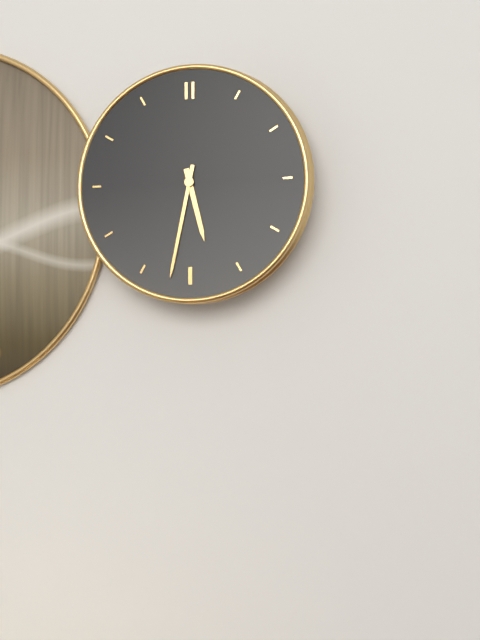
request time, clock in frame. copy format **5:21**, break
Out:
**5:32**
